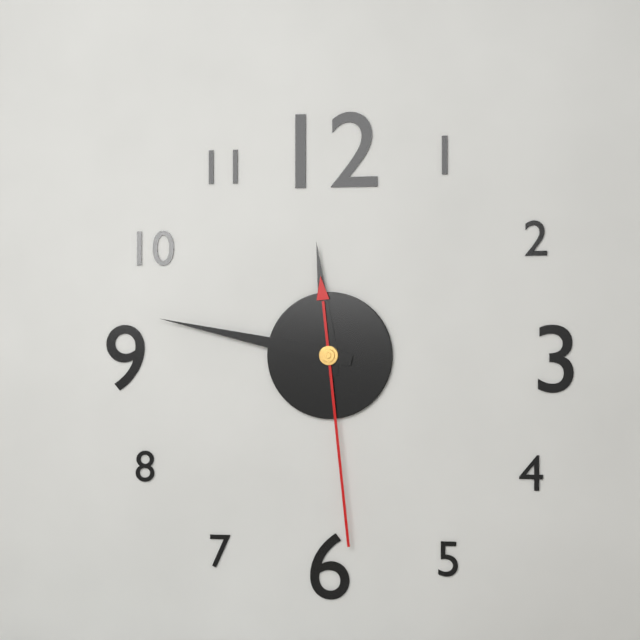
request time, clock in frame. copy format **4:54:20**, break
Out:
**11:47:29**
